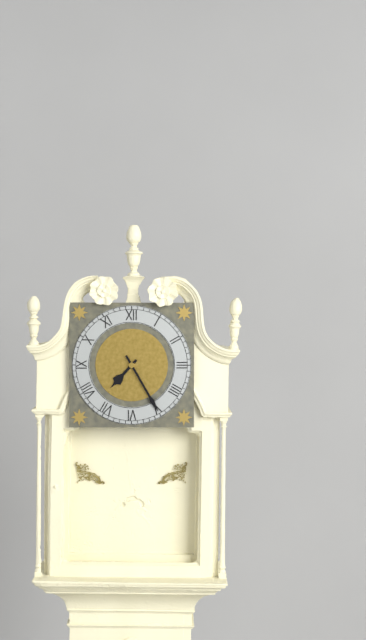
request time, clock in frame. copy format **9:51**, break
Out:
**7:25**
